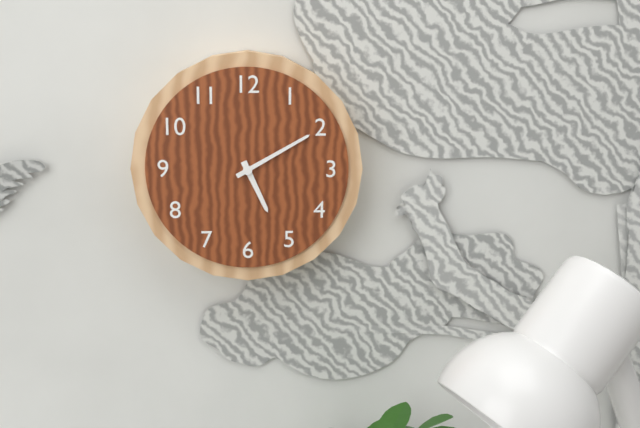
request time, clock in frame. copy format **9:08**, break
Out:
**5:10**
